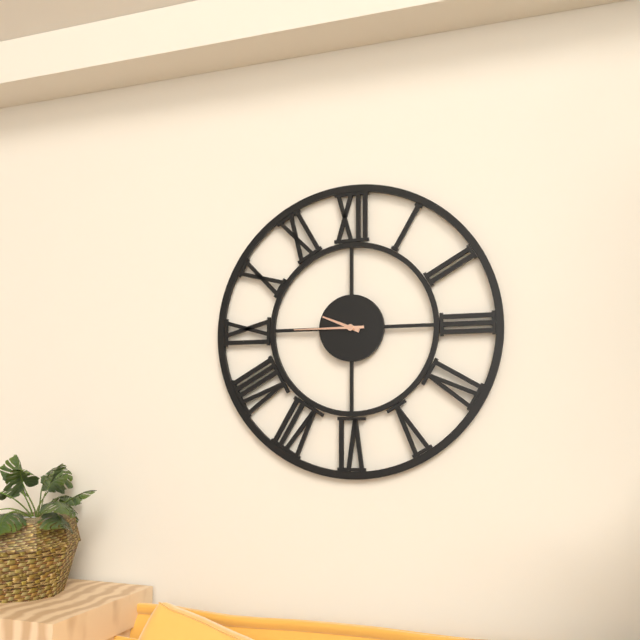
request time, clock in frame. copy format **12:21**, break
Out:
**9:45**
